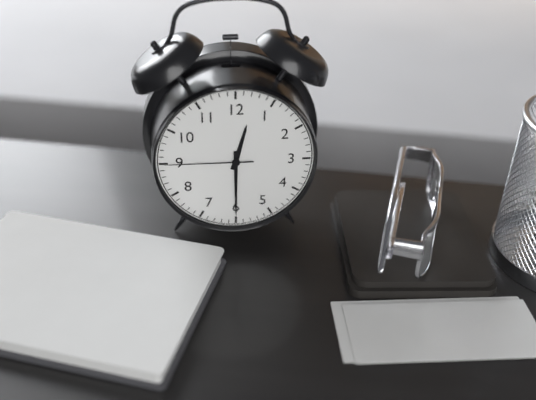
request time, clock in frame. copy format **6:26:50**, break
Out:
**12:30:45**
